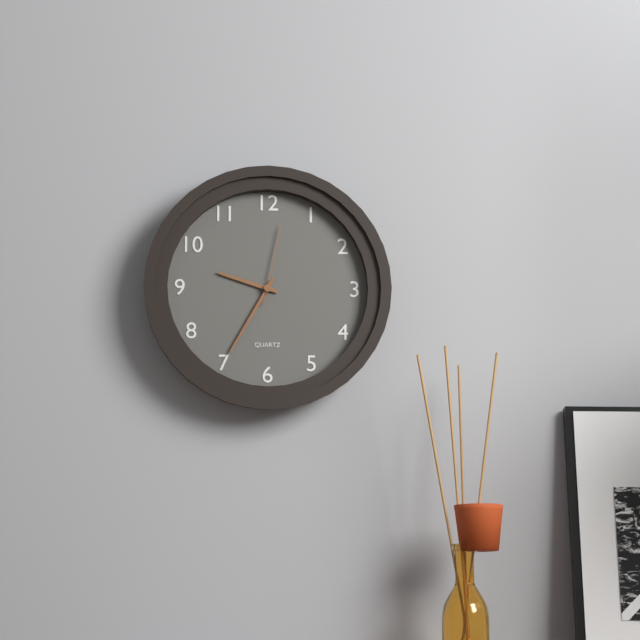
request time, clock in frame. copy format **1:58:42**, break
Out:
**9:35:02**
